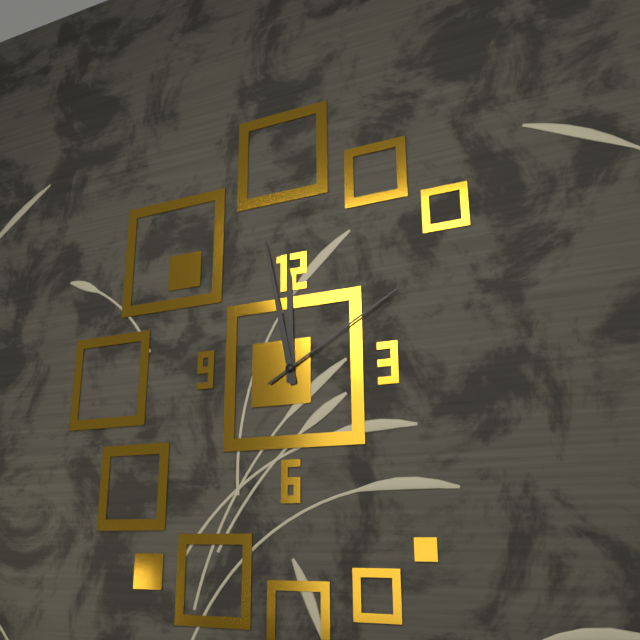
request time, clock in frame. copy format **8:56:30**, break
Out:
**11:58:10**
